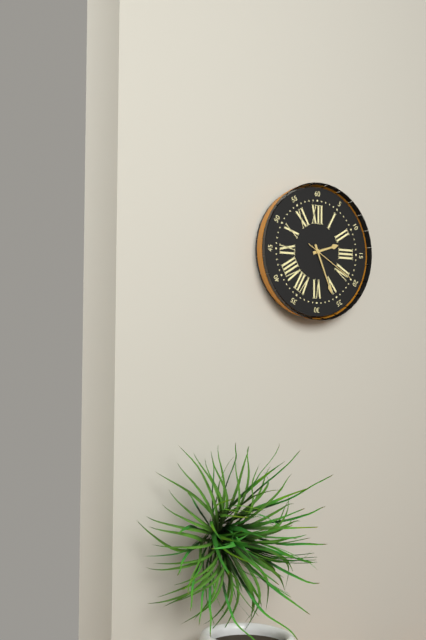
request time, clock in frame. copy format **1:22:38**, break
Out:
**2:26:20**
